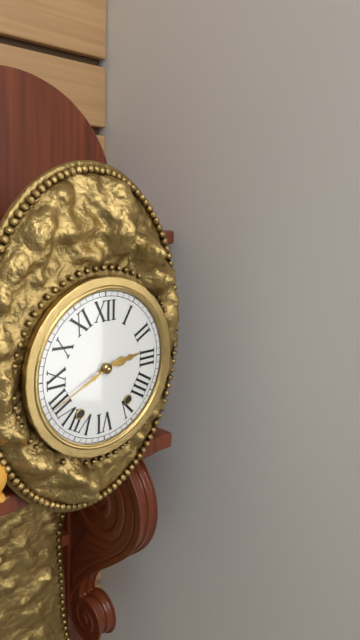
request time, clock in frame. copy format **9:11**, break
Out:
**2:41**
